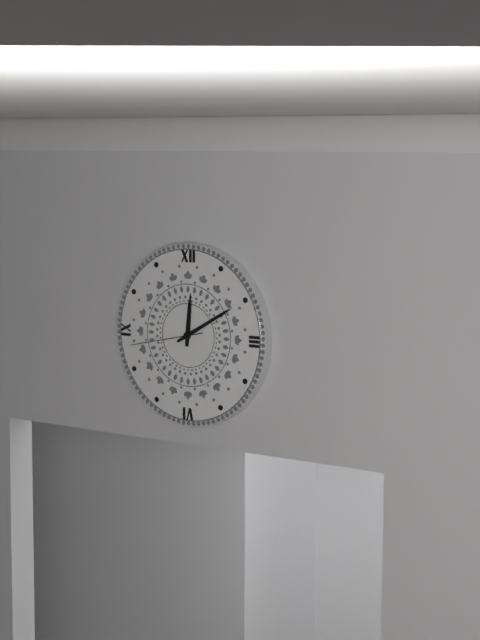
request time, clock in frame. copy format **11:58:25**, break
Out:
**12:10:43**
